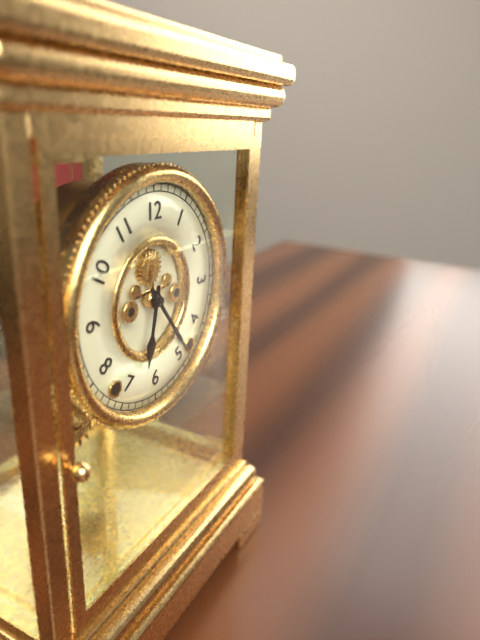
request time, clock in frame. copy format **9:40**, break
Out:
**6:24**
